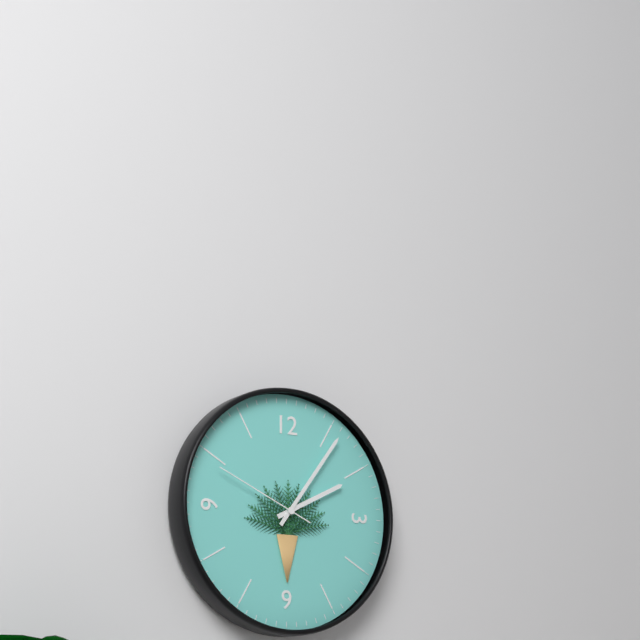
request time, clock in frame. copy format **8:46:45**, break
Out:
**2:06:49**
